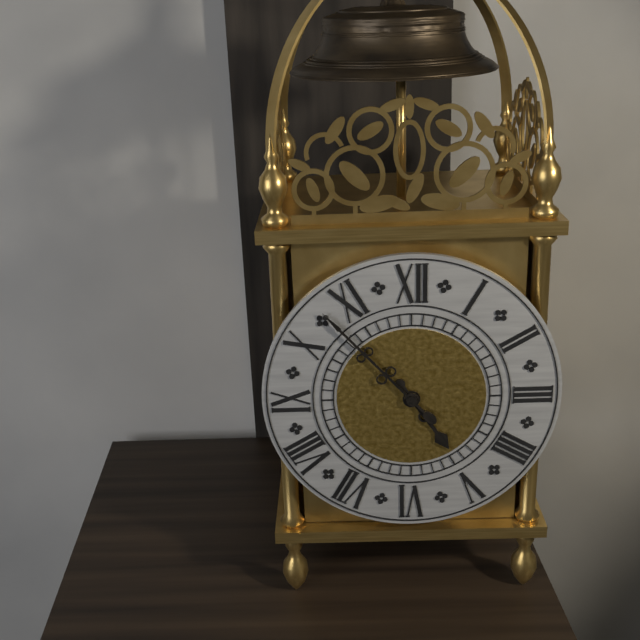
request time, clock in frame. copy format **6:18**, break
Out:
**4:53**
